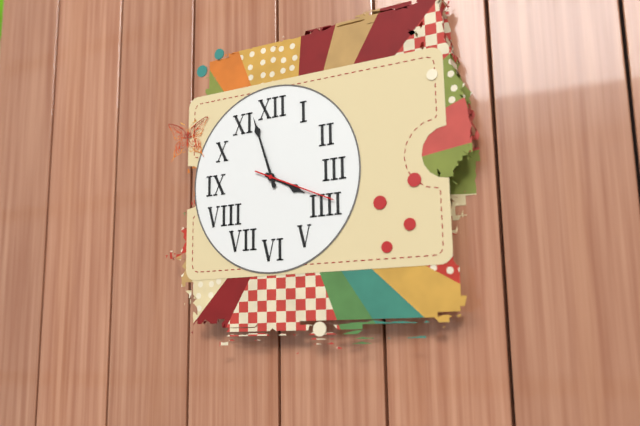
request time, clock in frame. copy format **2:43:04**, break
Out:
**3:57:19**
